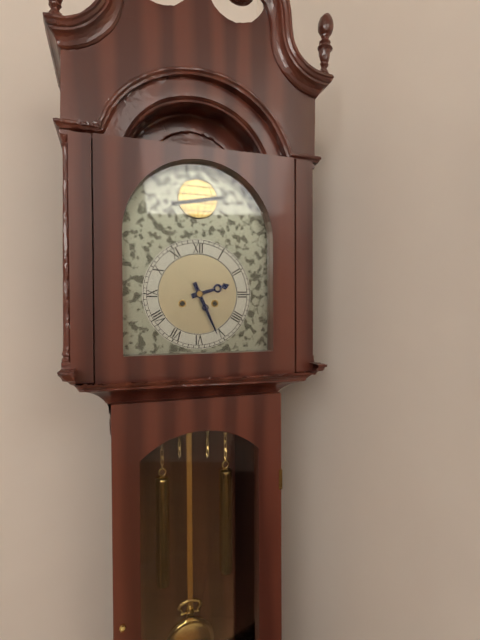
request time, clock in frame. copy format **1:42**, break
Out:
**2:26**
